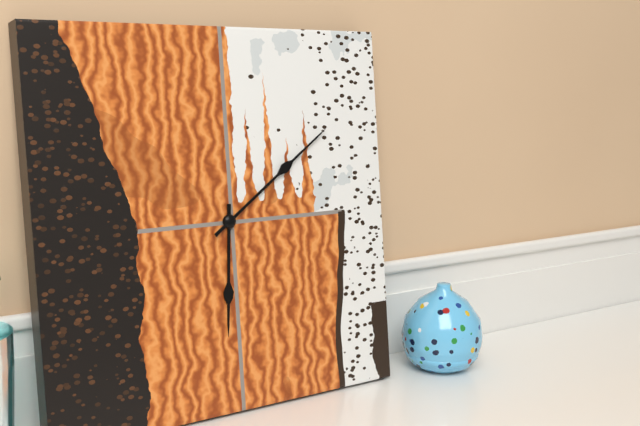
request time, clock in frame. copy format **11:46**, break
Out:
**6:09**
